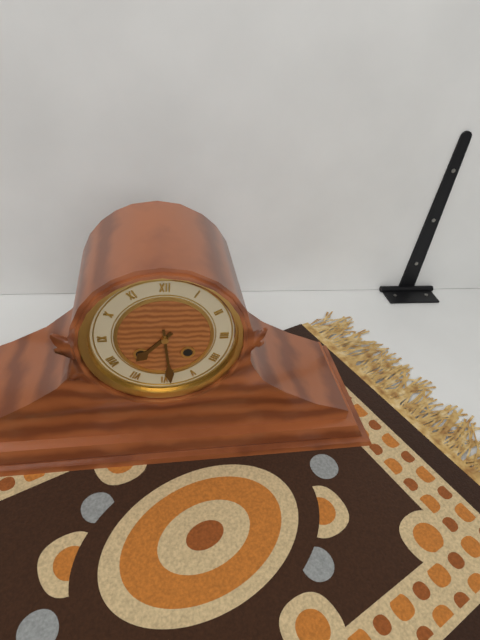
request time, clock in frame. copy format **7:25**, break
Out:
**7:29**
